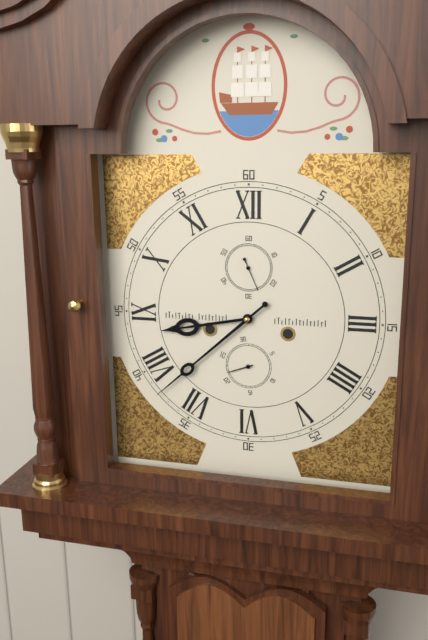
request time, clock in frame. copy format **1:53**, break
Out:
**8:38**
